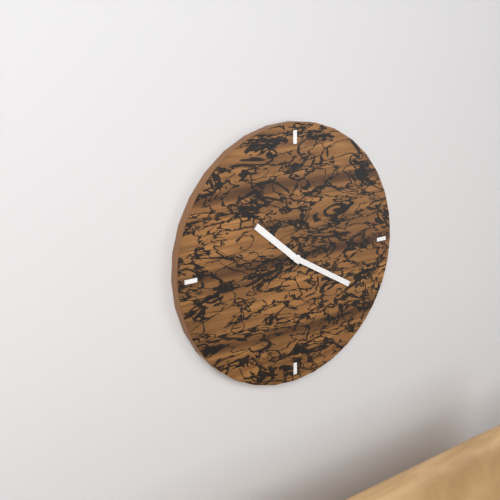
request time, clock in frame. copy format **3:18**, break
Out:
**10:20**
